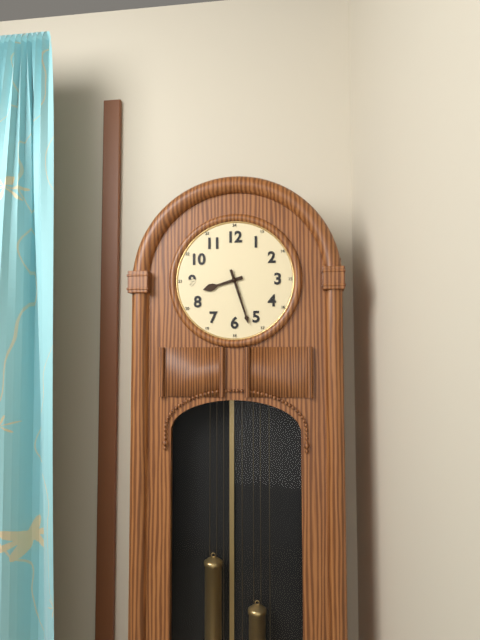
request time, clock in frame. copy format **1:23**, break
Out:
**8:27**
